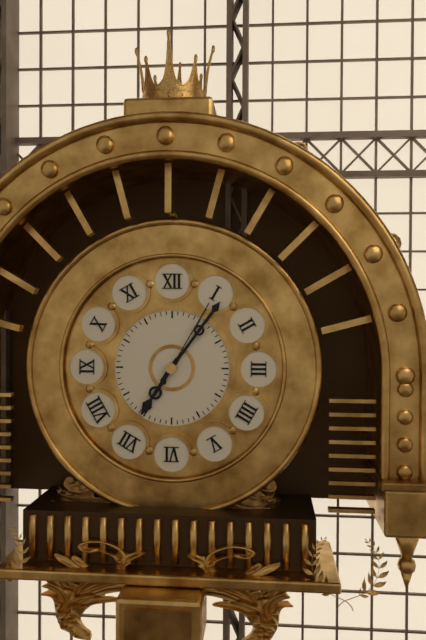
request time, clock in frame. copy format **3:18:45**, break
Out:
**7:06:05**
